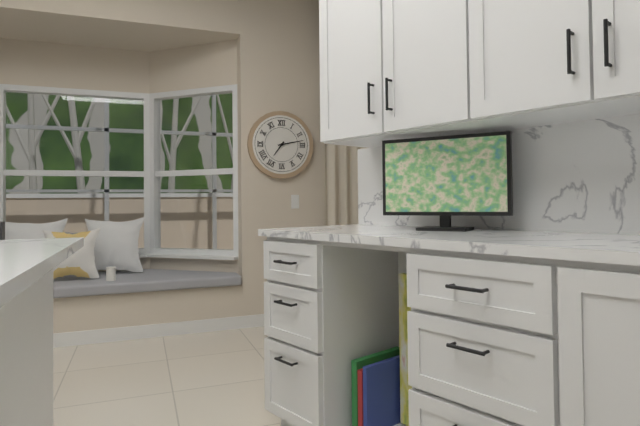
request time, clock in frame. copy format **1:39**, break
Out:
**7:13**
